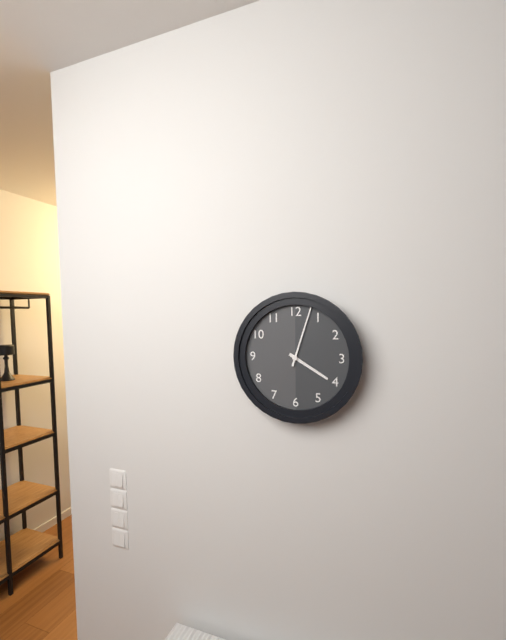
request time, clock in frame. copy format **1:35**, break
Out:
**4:03**
